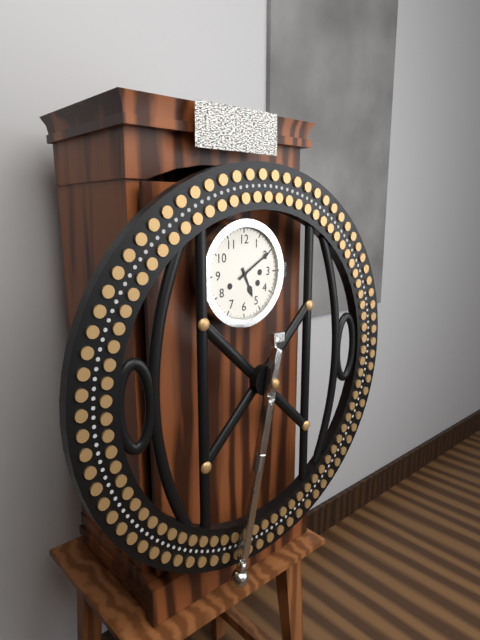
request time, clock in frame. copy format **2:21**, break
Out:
**5:10**
